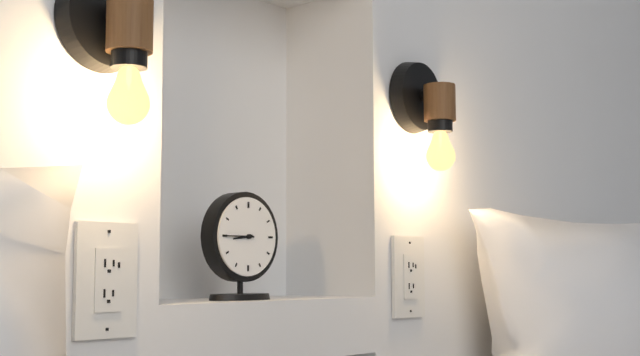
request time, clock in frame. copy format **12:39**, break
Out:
**8:45**
